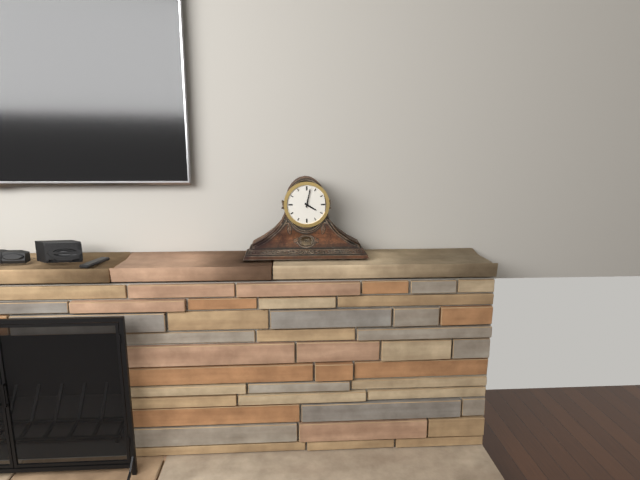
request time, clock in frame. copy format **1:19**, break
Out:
**4:02**
